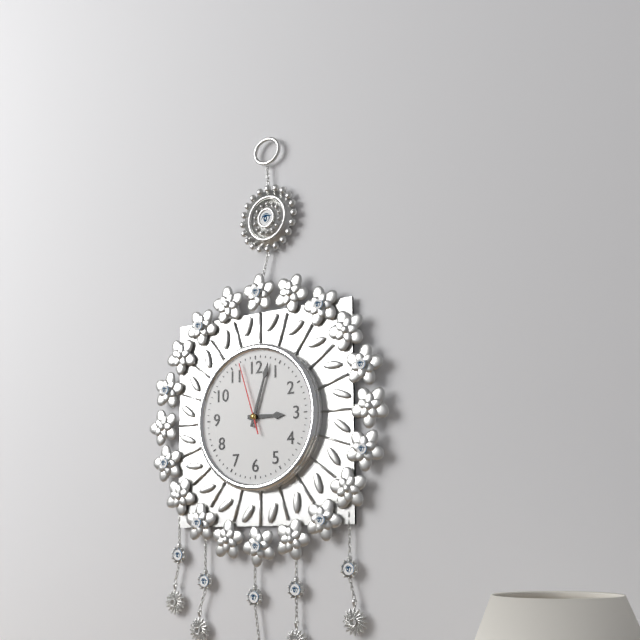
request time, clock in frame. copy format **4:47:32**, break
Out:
**3:03:57**
